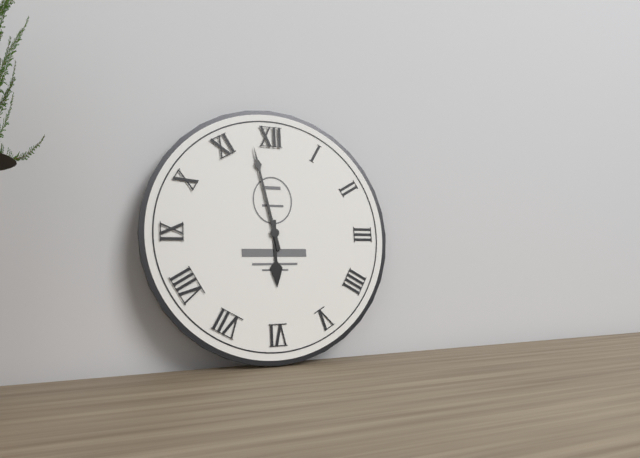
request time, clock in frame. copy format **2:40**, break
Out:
**5:58**
